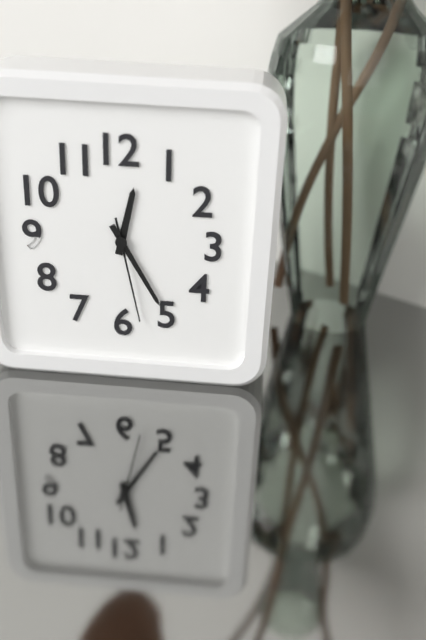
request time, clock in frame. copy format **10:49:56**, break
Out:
**12:25:28**
